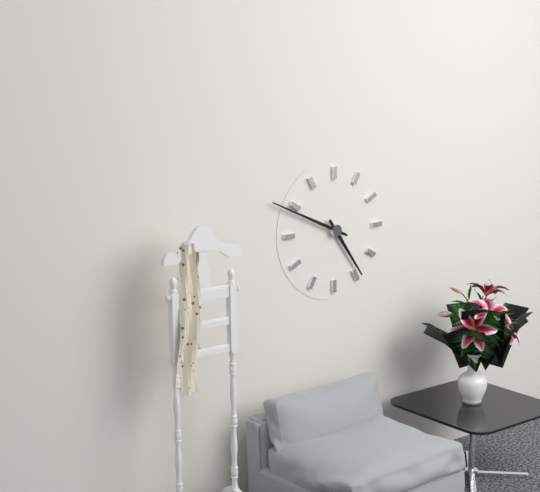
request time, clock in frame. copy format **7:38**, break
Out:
**4:49**
